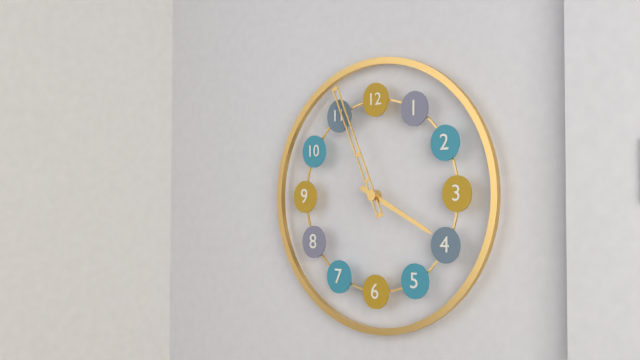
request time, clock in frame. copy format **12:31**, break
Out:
**3:56**
